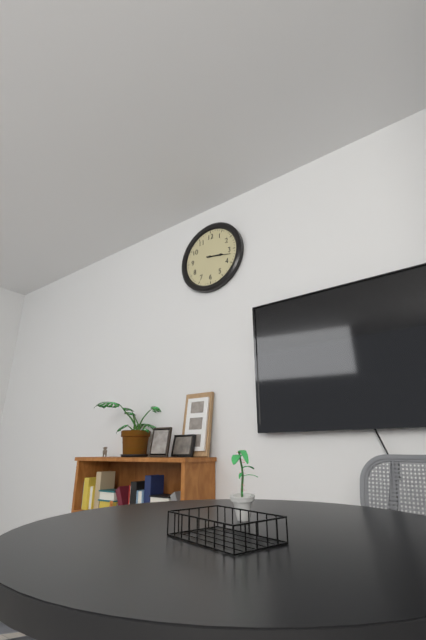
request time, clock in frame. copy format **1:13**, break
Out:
**3:17**
